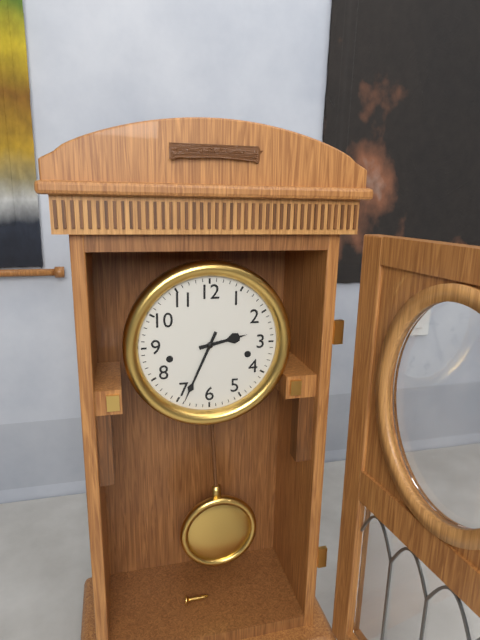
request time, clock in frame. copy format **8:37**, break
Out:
**2:34**
